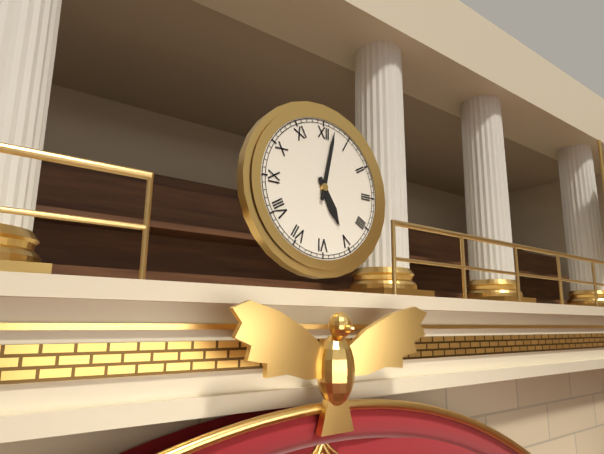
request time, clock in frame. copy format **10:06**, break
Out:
**5:02**
